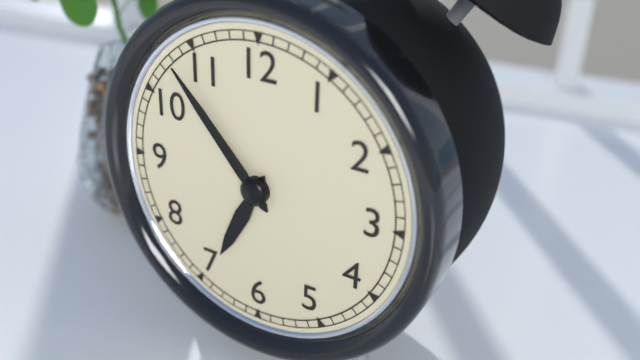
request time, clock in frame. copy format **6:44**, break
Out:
**6:53**
